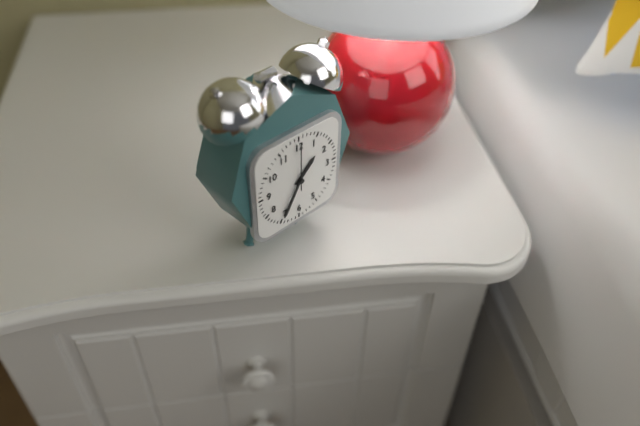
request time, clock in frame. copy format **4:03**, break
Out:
**1:35**
